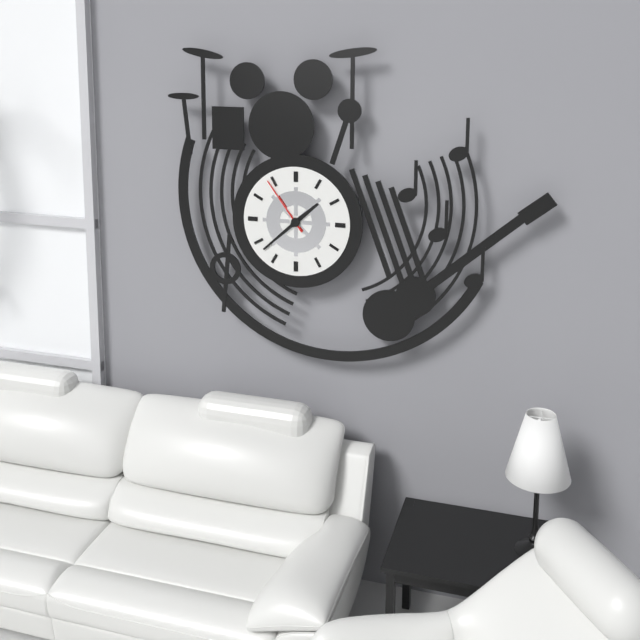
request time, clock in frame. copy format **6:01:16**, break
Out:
**1:38:54**
